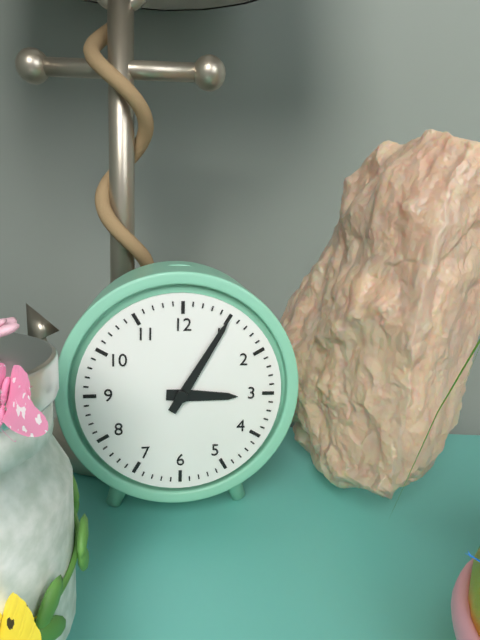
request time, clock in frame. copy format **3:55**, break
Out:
**3:05**
